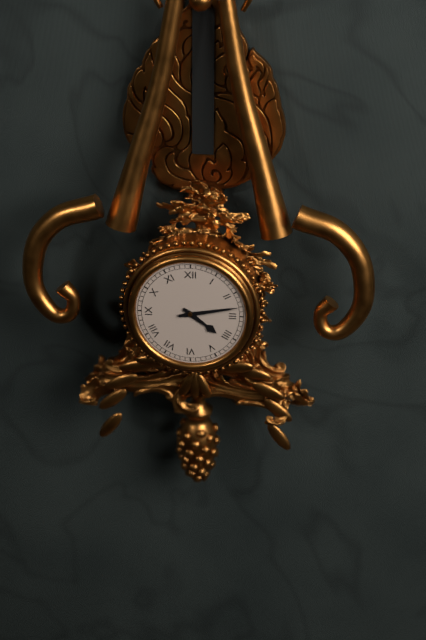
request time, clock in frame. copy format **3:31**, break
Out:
**4:13**
